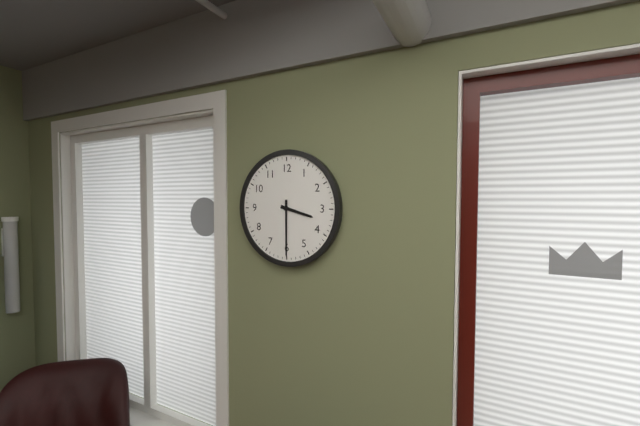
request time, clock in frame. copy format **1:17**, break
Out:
**3:30**
